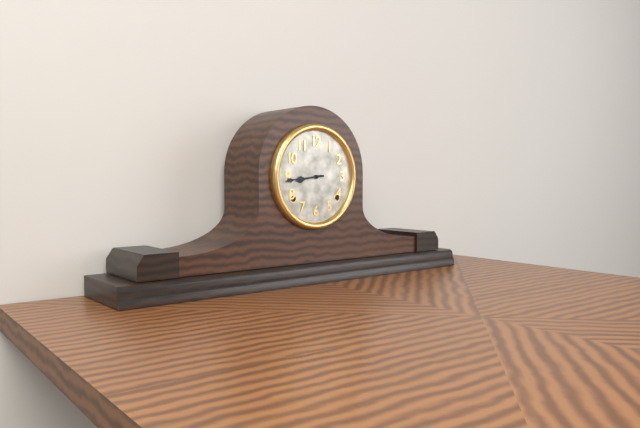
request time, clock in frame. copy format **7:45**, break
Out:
**8:44**
